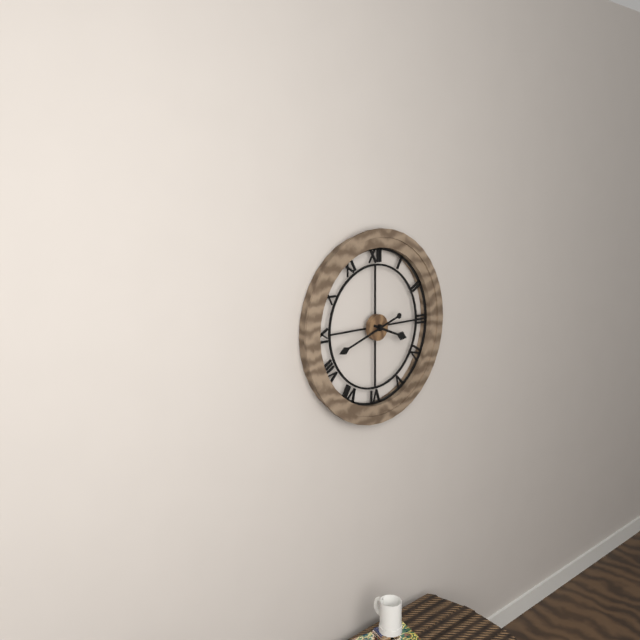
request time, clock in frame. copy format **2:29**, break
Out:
**3:42**
